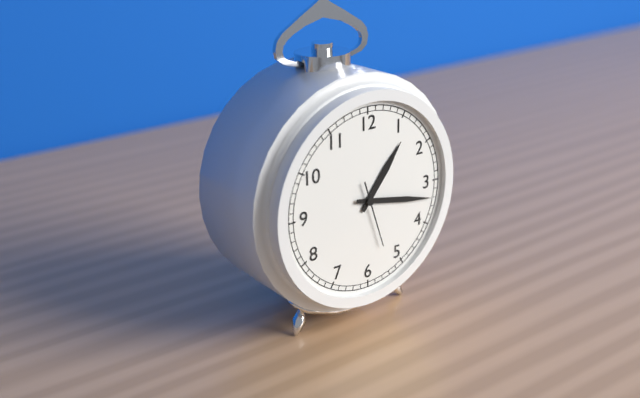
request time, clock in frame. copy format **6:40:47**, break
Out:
**1:17:27**
